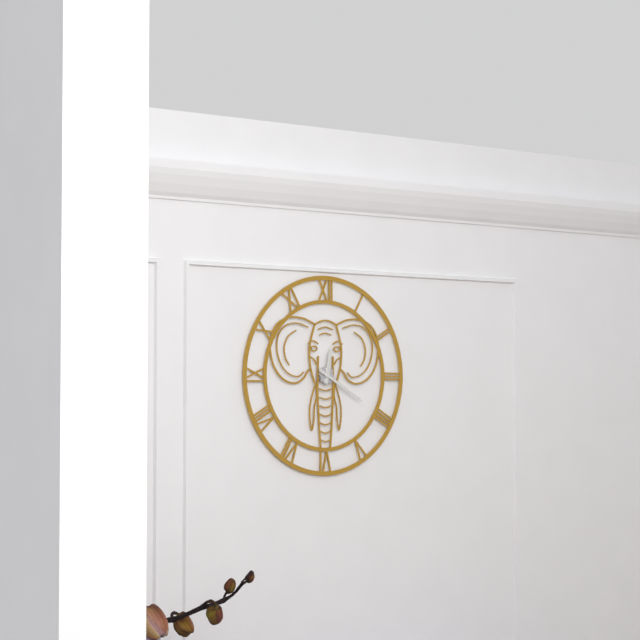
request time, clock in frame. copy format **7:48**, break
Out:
**12:20**
